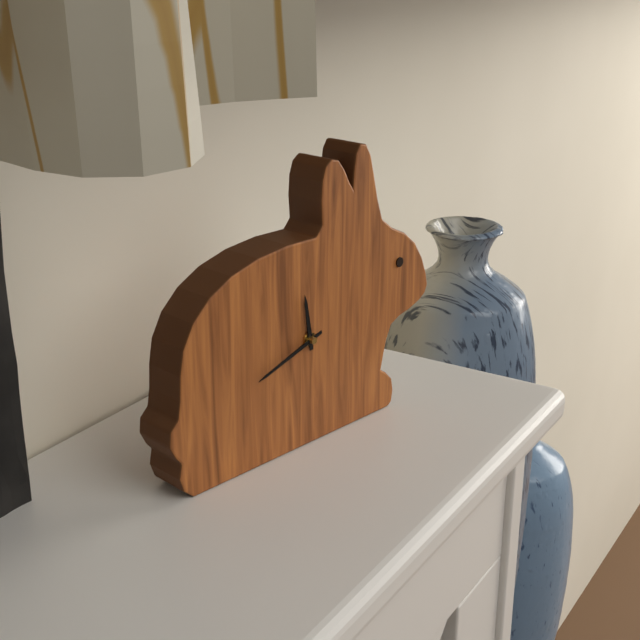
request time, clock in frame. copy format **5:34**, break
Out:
**11:42**
